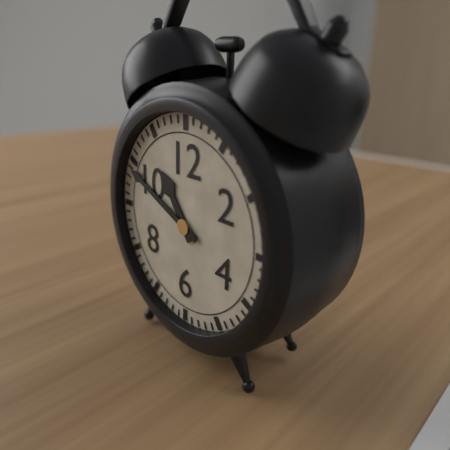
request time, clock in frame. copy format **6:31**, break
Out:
**10:49**
